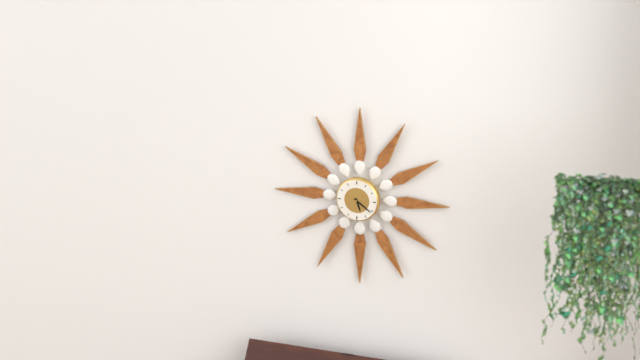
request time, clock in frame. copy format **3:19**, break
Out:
**5:21**
